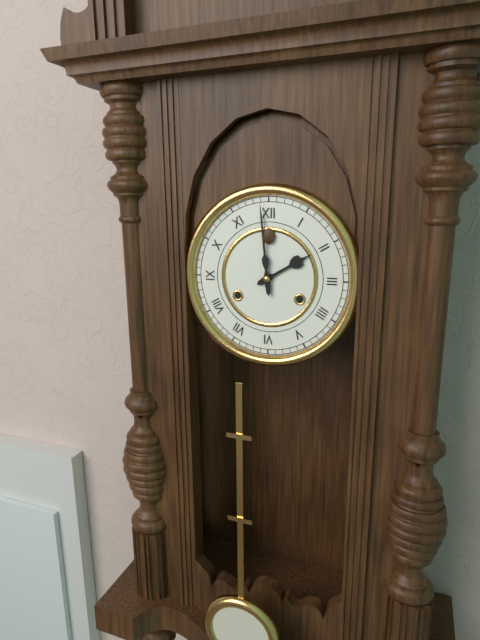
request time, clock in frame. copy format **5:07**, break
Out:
**1:59**
